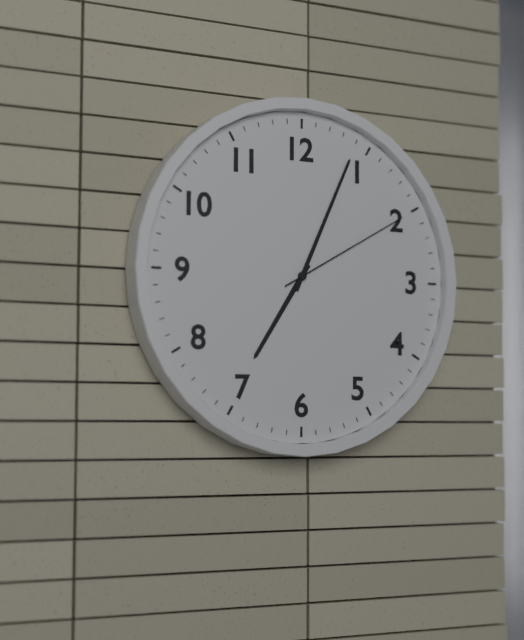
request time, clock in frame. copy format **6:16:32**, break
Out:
**7:04:10**
